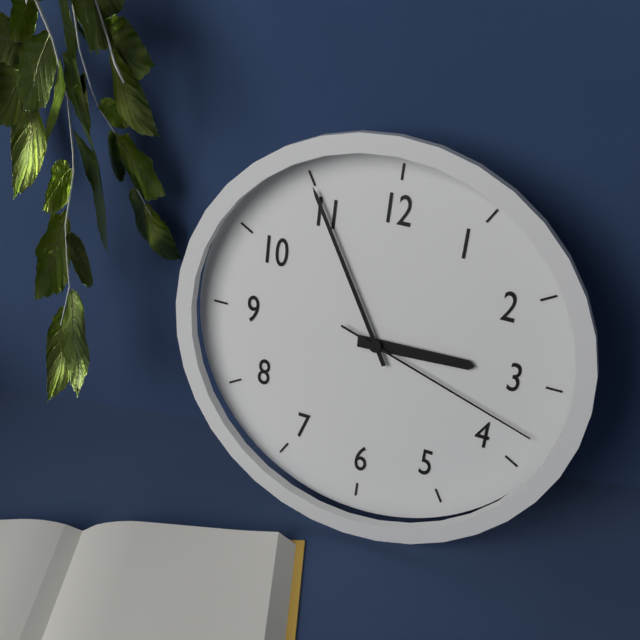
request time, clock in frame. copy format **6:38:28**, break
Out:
**2:55:18**
